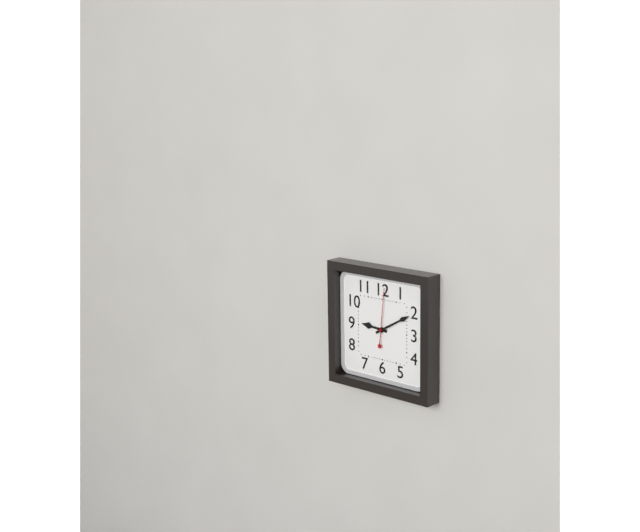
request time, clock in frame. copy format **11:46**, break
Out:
**9:10**
